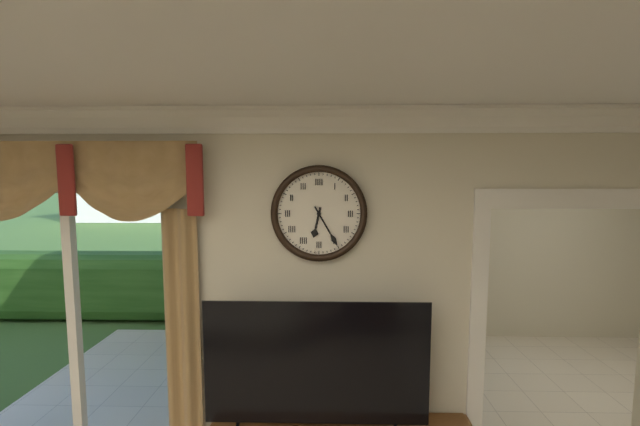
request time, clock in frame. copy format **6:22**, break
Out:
**6:25**
